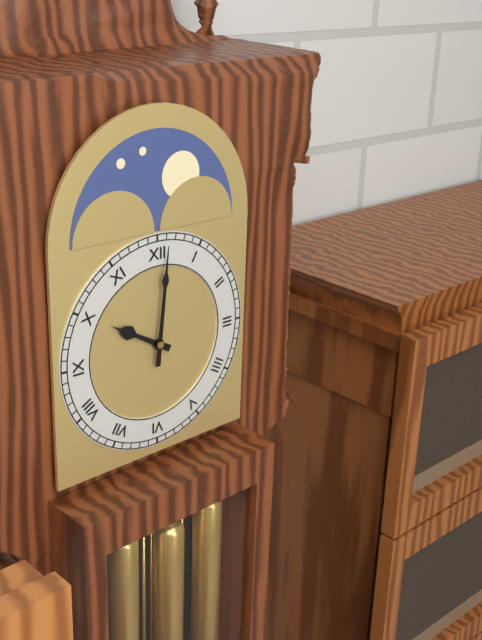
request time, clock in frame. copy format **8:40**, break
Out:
**10:01**
